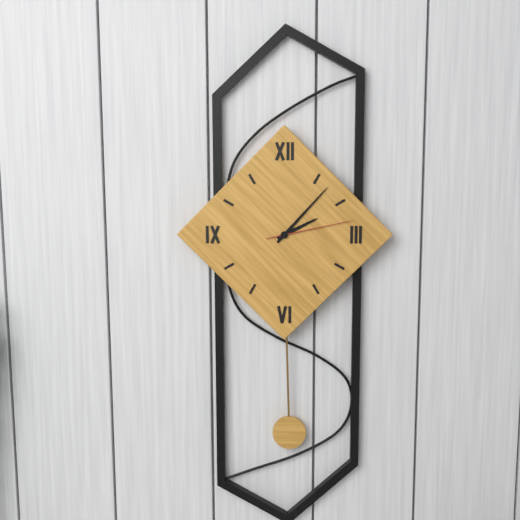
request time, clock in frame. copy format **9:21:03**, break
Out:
**2:07:13**
